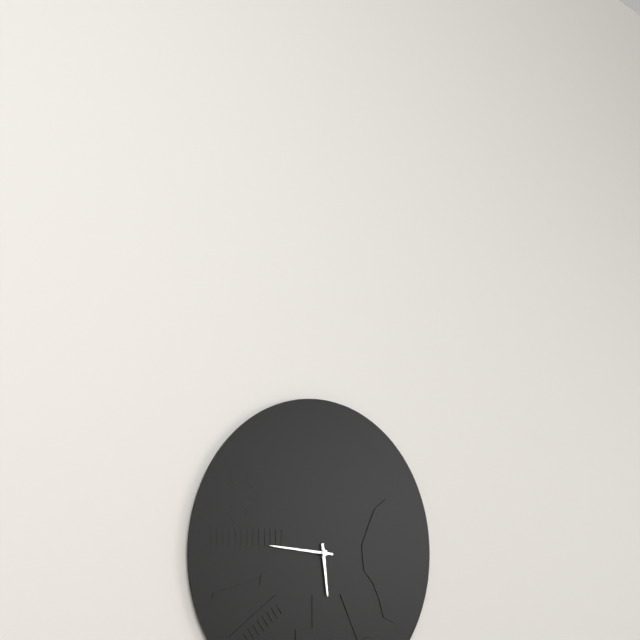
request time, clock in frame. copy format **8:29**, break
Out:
**5:46**
